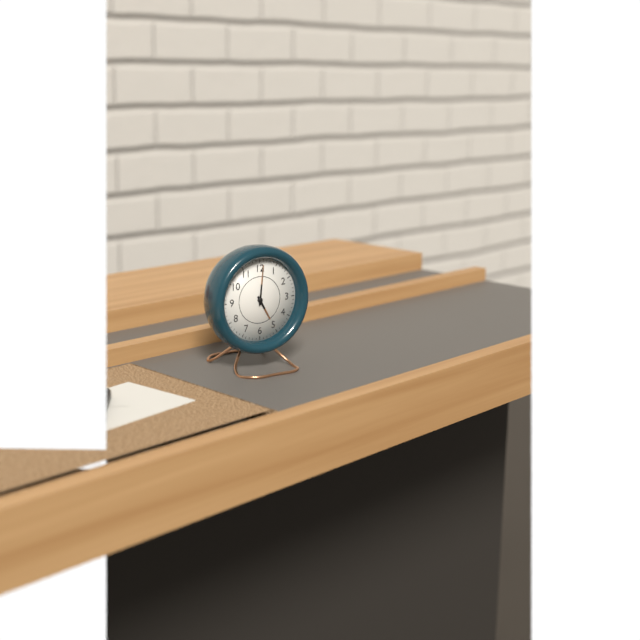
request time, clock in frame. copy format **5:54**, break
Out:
**5:01**
